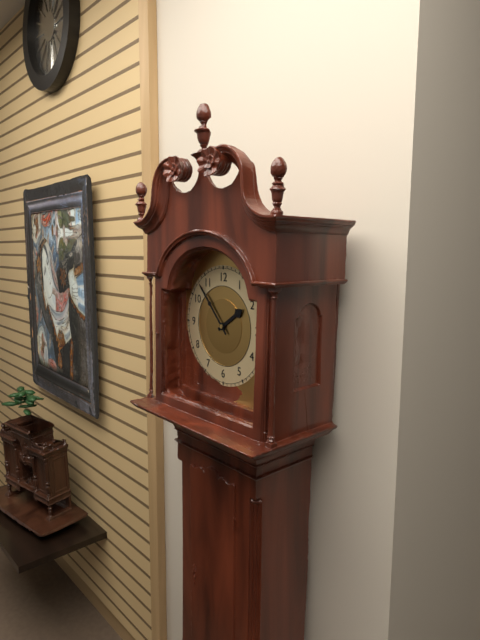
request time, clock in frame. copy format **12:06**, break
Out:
**1:53**
